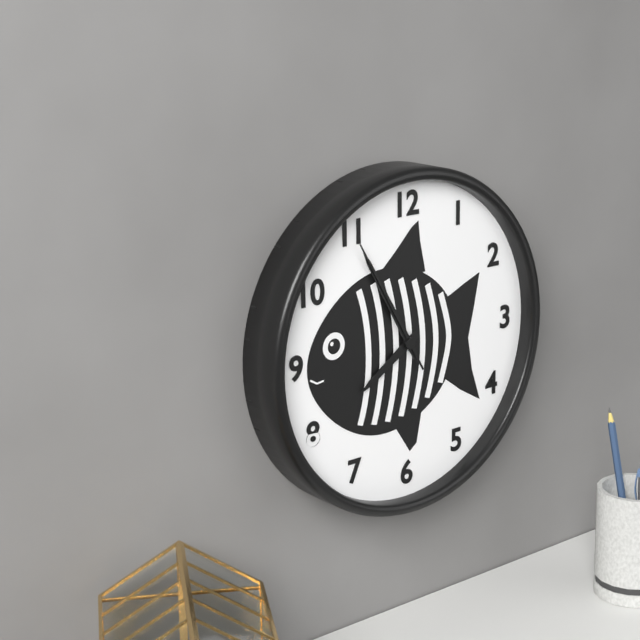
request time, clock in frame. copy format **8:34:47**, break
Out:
**7:55:55**
